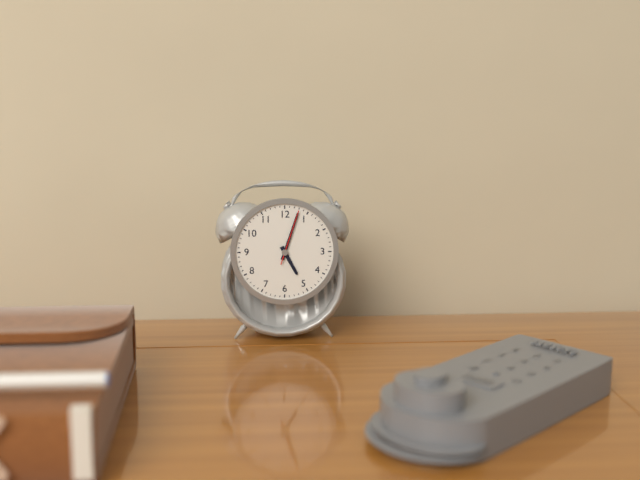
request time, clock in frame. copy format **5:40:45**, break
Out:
**5:03:03**
